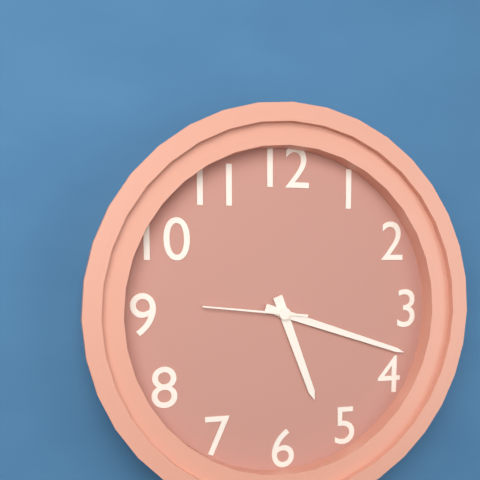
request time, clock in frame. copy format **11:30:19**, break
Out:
**5:18:46**
